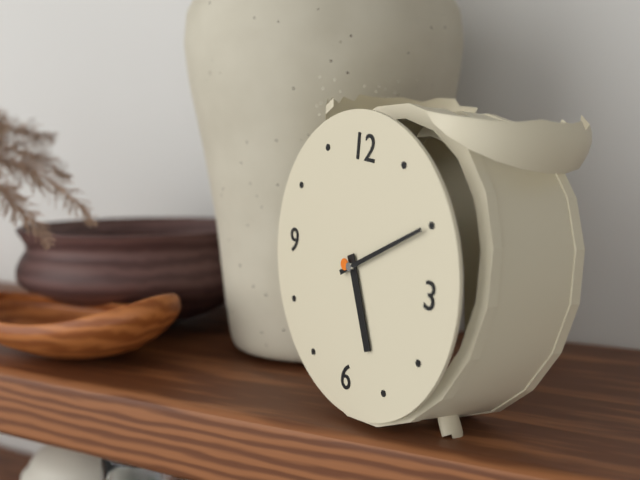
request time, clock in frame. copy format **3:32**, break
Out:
**5:10**
